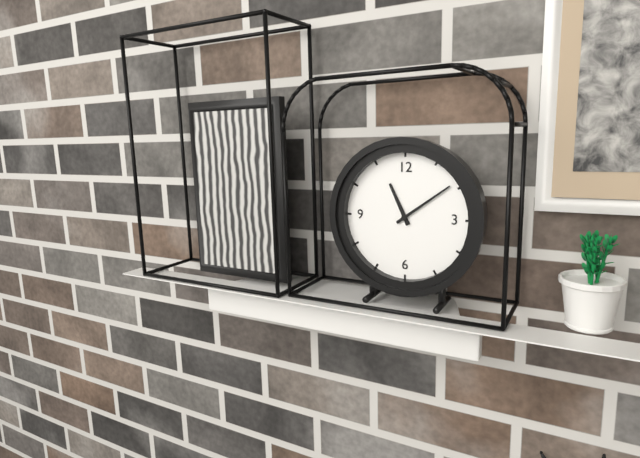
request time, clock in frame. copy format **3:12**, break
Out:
**11:09**
